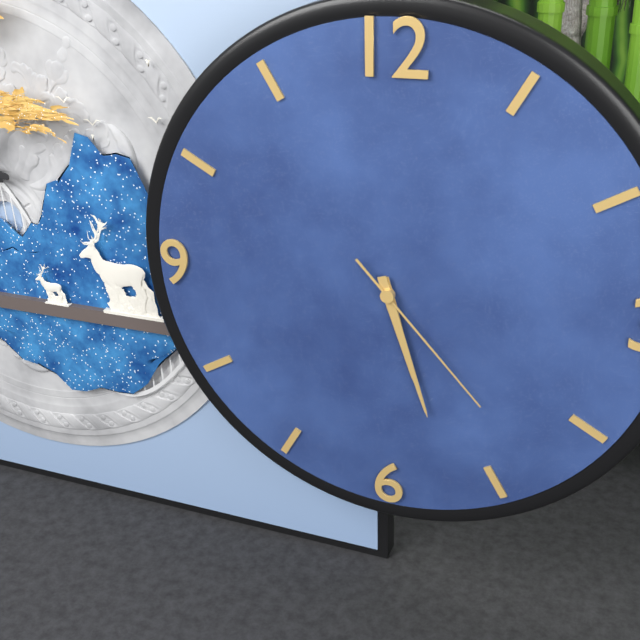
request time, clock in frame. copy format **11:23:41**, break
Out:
**5:27:23**
